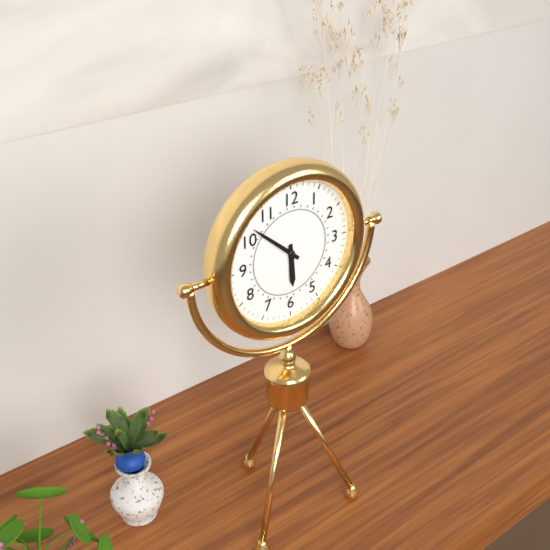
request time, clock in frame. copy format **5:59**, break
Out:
**5:52**
